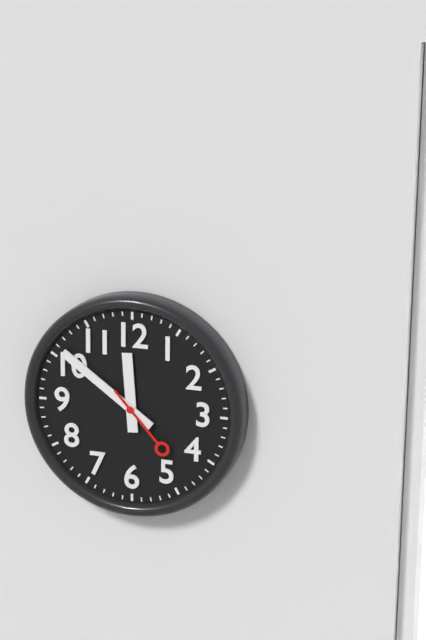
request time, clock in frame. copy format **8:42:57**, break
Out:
**11:51:23**
